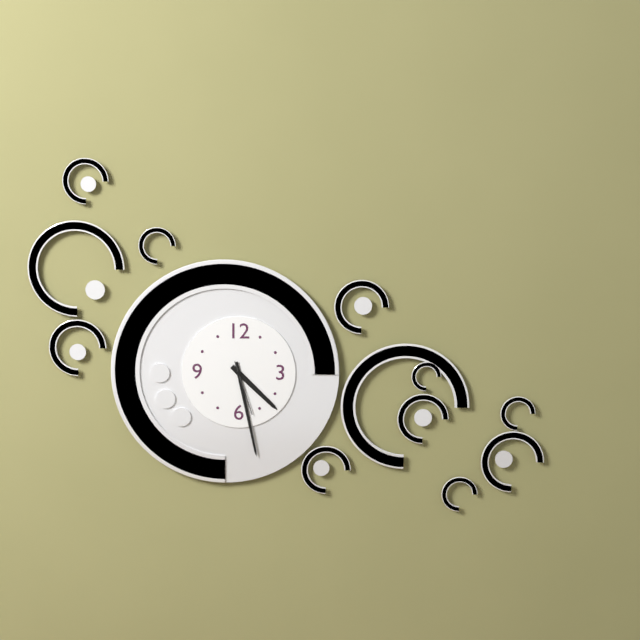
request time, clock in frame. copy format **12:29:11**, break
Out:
**4:28:27**
